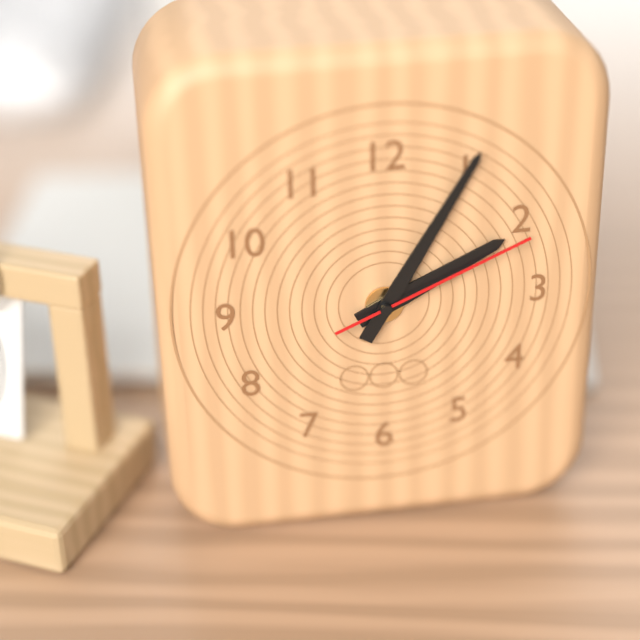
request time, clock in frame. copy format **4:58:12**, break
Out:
**2:05:11**
